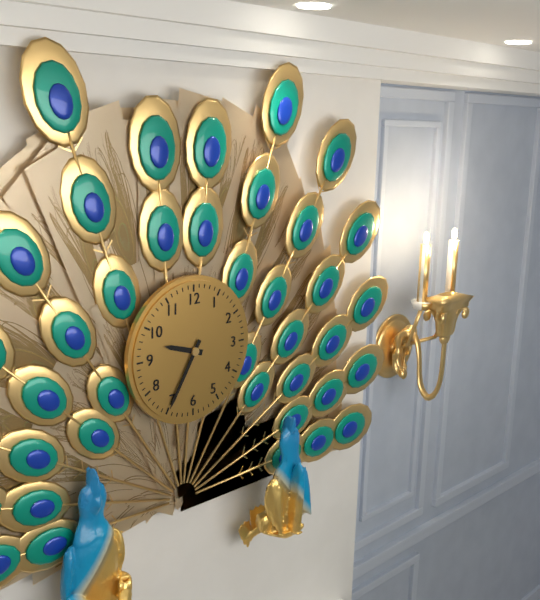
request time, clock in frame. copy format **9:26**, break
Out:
**9:35**
